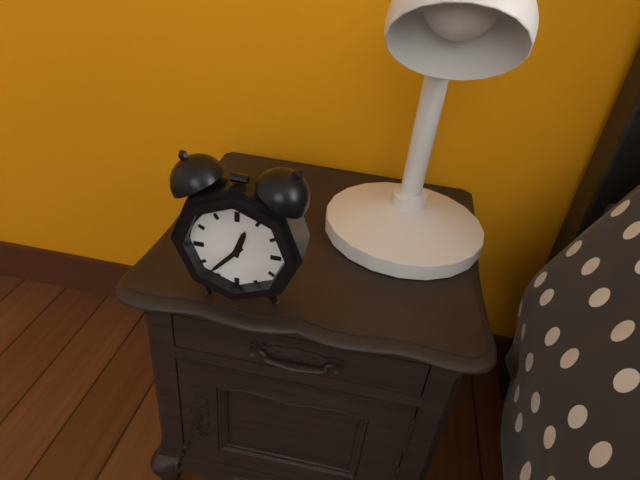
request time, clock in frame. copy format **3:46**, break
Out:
**12:37**
